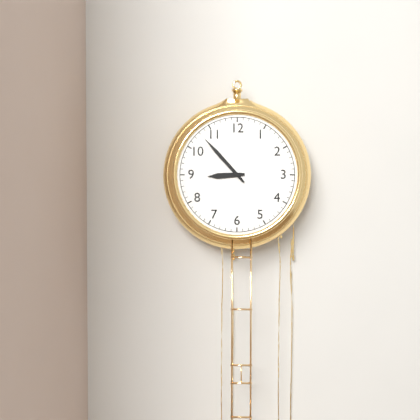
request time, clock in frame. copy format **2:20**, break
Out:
**8:53**
